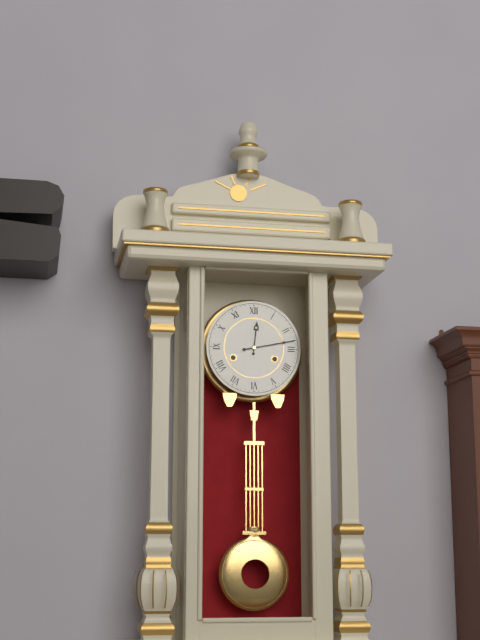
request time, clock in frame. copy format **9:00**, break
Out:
**12:13**
